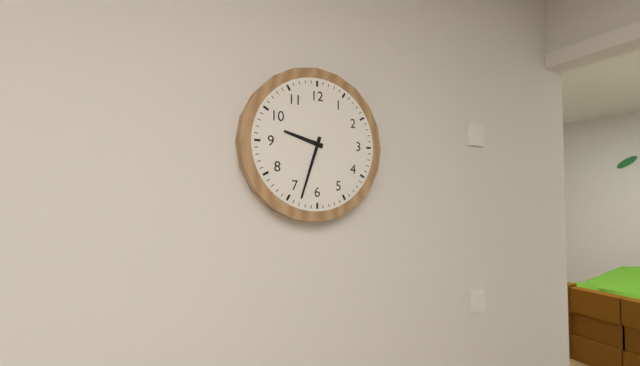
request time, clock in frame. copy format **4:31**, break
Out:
**9:33**
